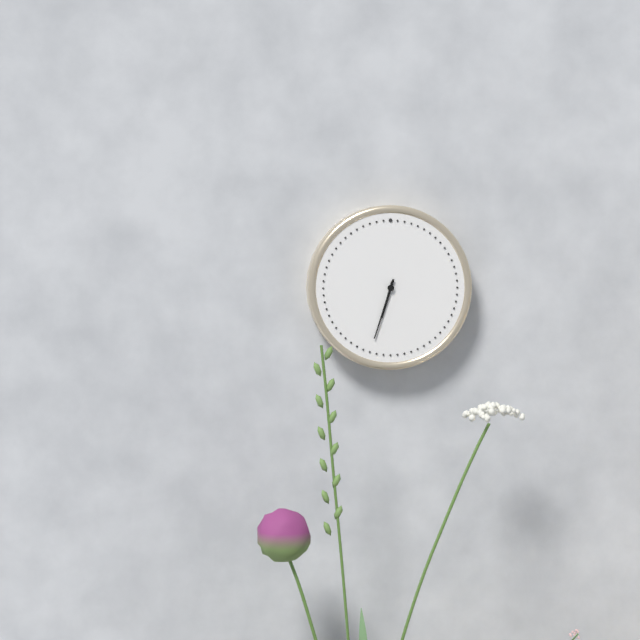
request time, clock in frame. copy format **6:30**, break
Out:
**6:33**
